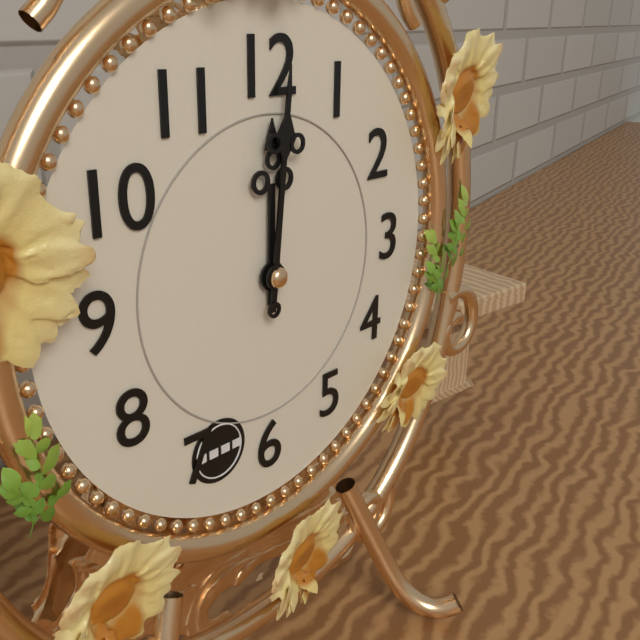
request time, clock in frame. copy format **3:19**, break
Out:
**12:01**
